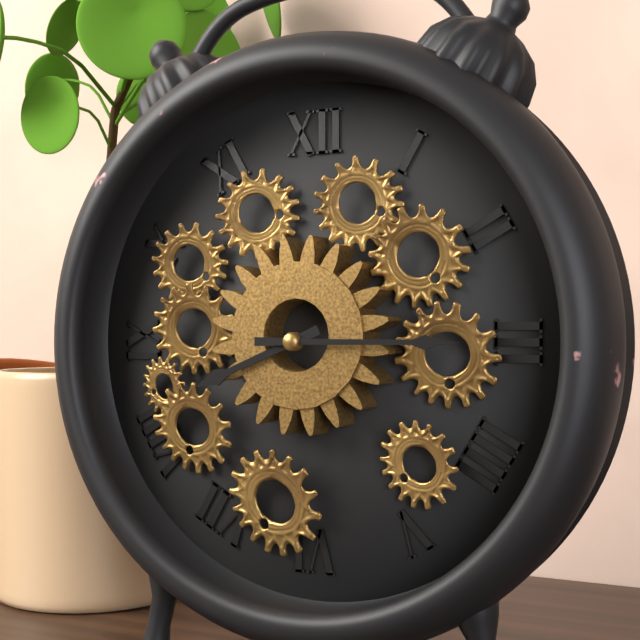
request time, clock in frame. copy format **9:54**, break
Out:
**8:15**
